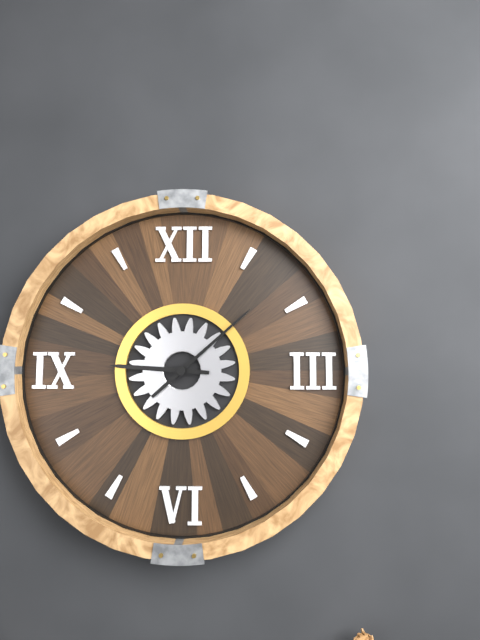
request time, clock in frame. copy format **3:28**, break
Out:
**9:08**
